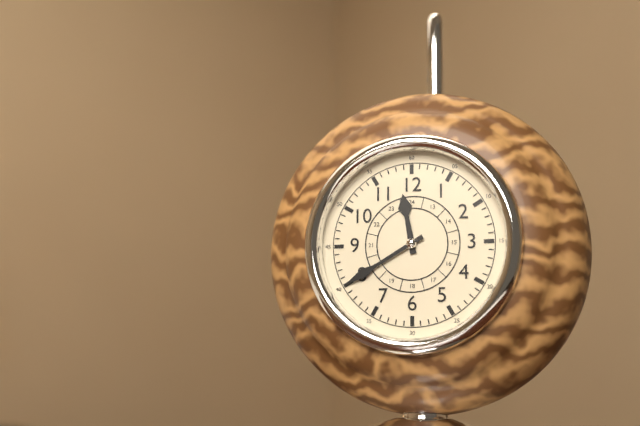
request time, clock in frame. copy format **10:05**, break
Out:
**11:40**
